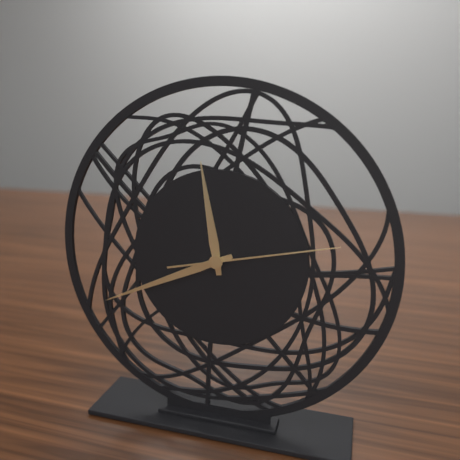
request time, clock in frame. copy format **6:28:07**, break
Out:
**11:41:13**
